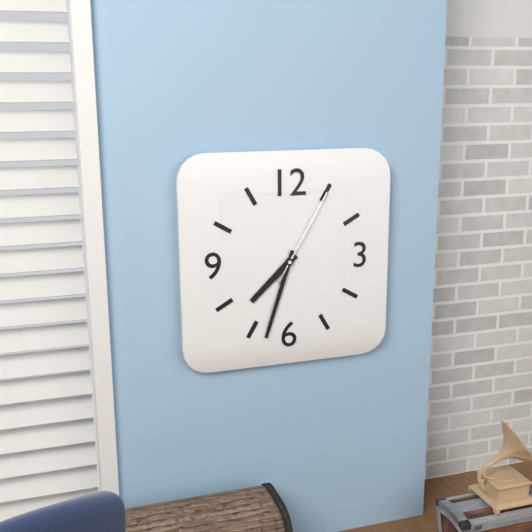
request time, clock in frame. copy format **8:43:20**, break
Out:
**7:33:05**
